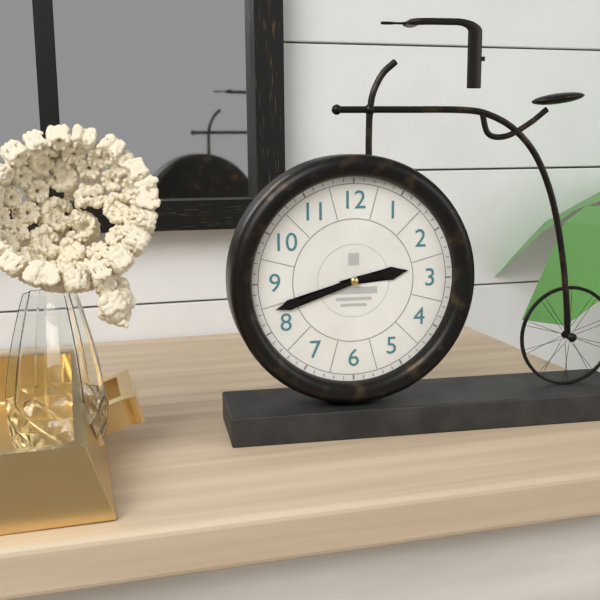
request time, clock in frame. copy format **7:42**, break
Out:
**2:42**
